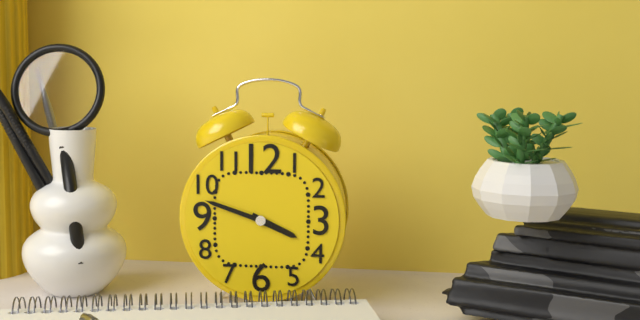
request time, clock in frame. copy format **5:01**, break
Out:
**3:48**
